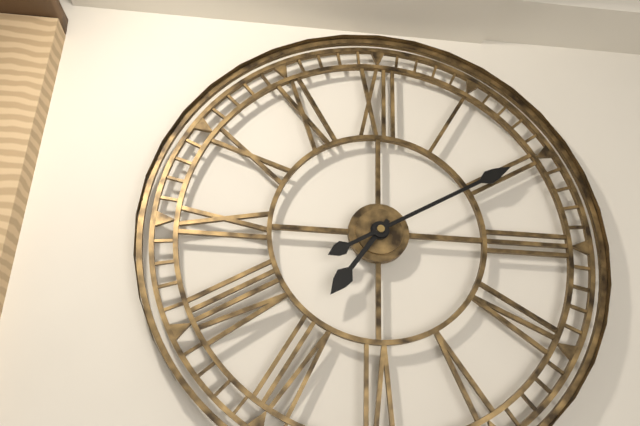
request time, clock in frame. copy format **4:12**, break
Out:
**7:10**
